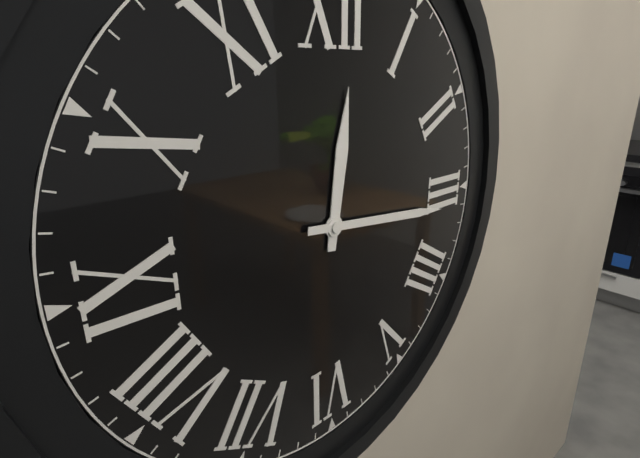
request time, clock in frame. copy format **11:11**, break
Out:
**12:16**
